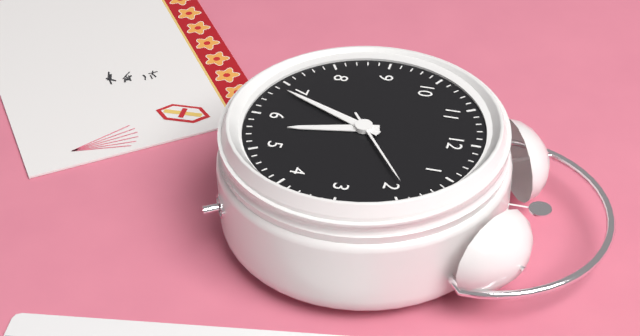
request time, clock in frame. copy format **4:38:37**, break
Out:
**5:34:09**
